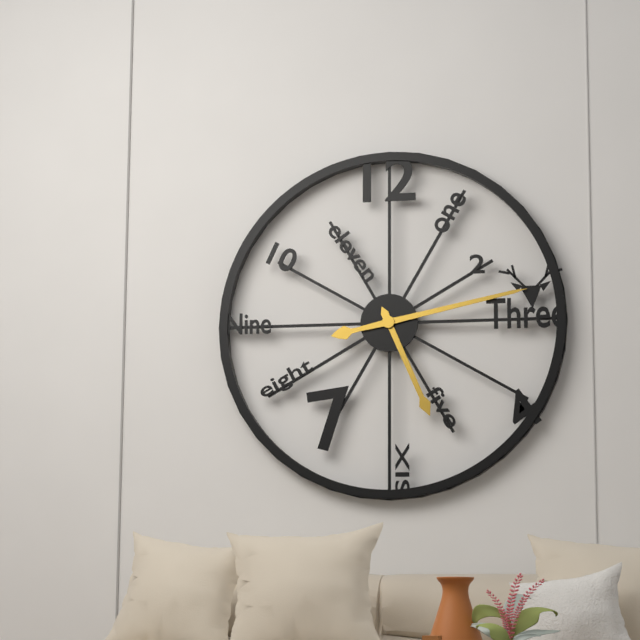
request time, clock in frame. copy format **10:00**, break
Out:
**5:13**
